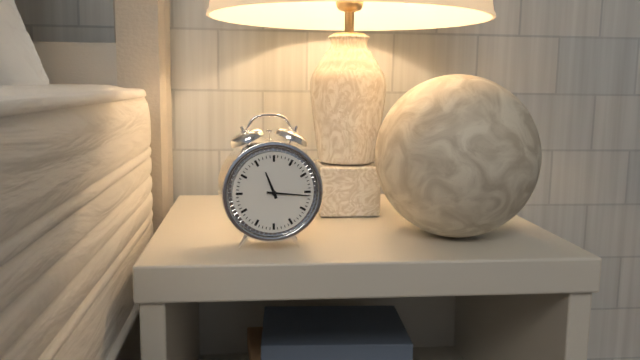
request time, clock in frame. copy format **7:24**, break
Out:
**11:16**
